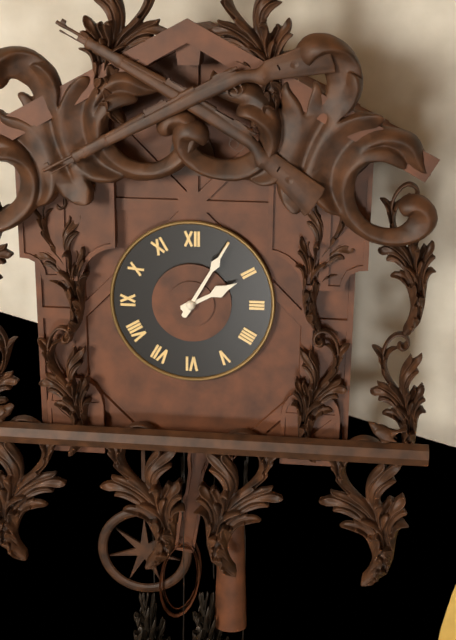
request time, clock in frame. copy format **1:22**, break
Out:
**2:05**
